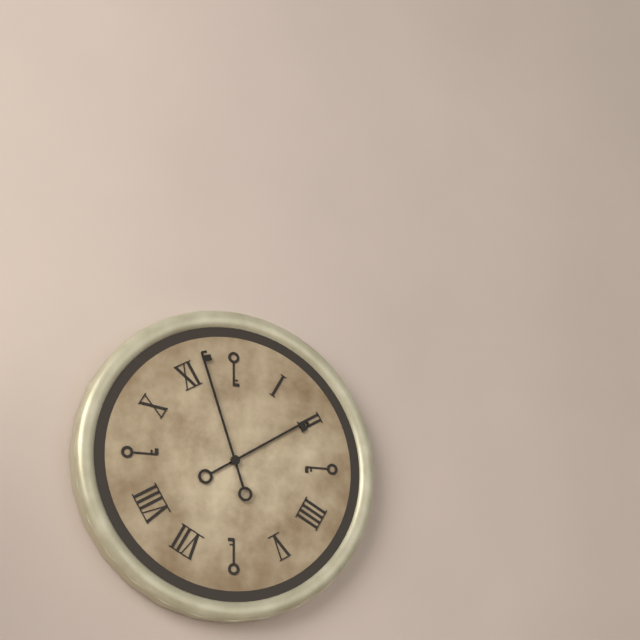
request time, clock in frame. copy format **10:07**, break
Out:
**1:57**
